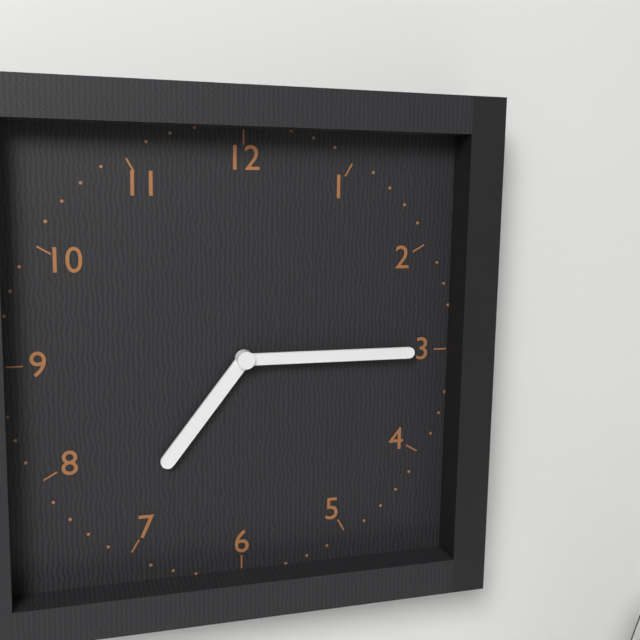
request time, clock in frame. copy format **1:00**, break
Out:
**7:15**
